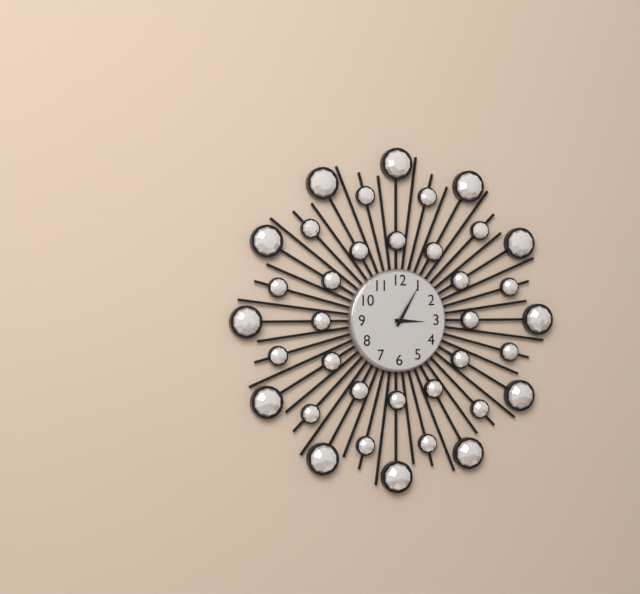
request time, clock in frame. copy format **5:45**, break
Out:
**3:05**
